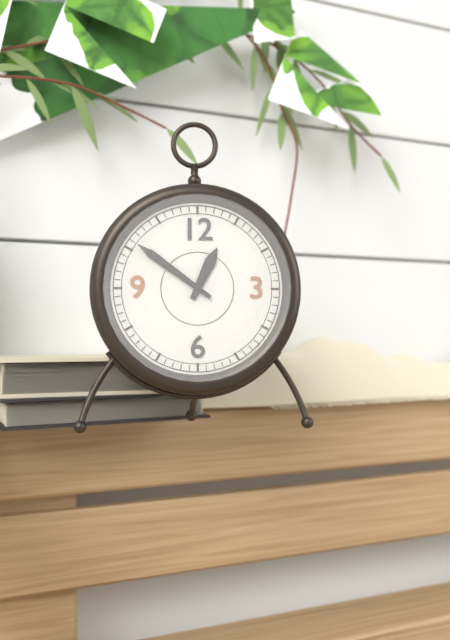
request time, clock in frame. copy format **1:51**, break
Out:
**12:51**
